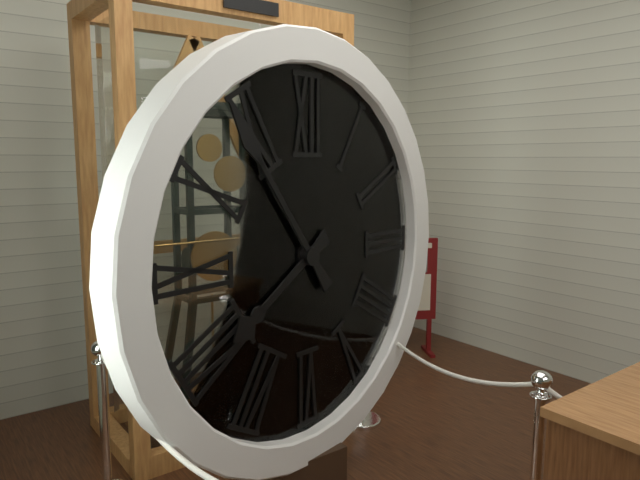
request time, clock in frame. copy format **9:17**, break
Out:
**7:54**
